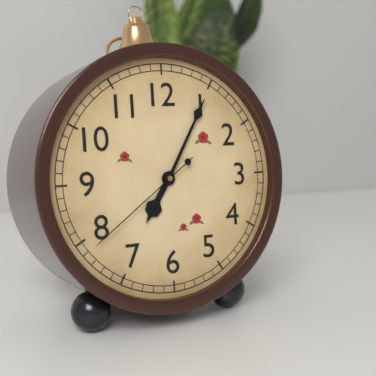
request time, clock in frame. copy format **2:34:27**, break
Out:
**7:05:39**
